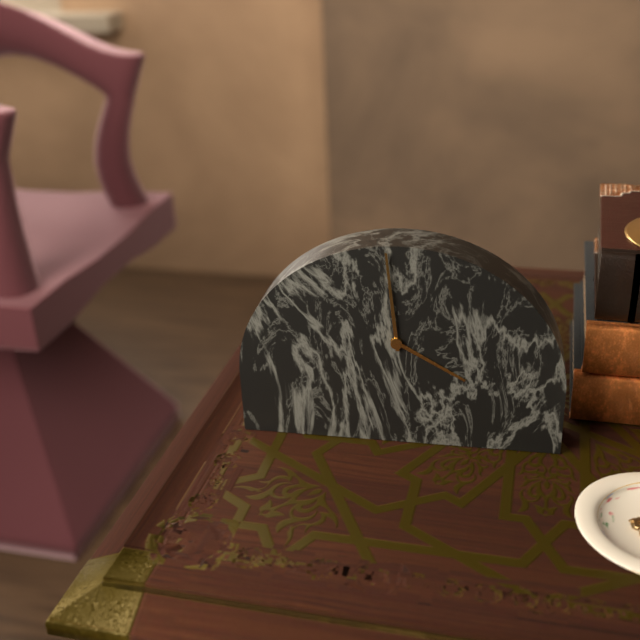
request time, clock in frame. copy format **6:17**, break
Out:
**3:59**
